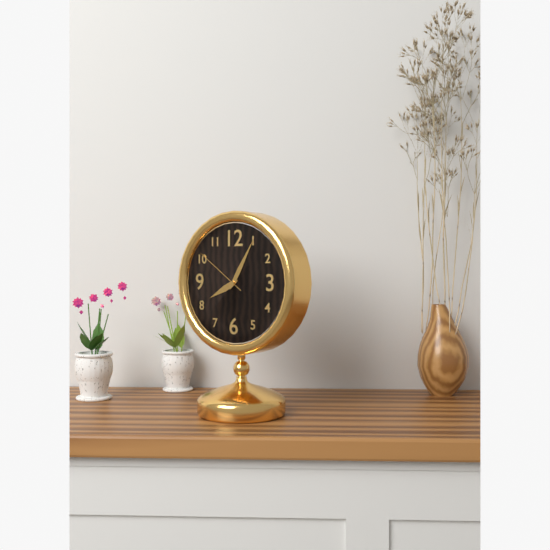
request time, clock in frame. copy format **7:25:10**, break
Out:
**8:05:51**
